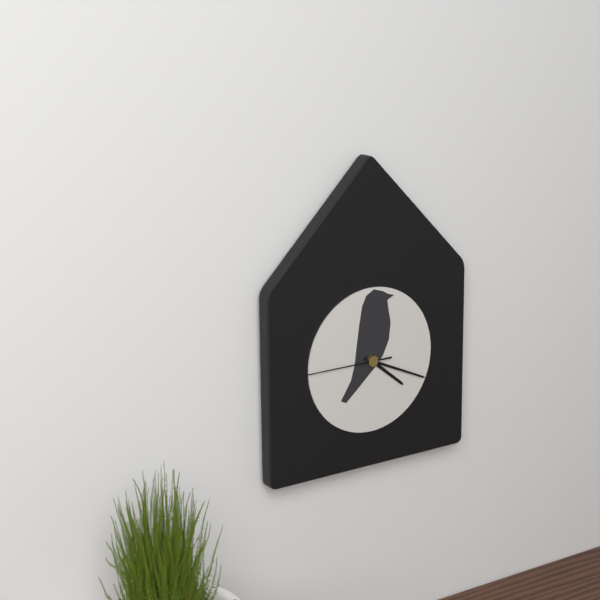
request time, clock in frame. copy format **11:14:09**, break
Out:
**4:19:45**
